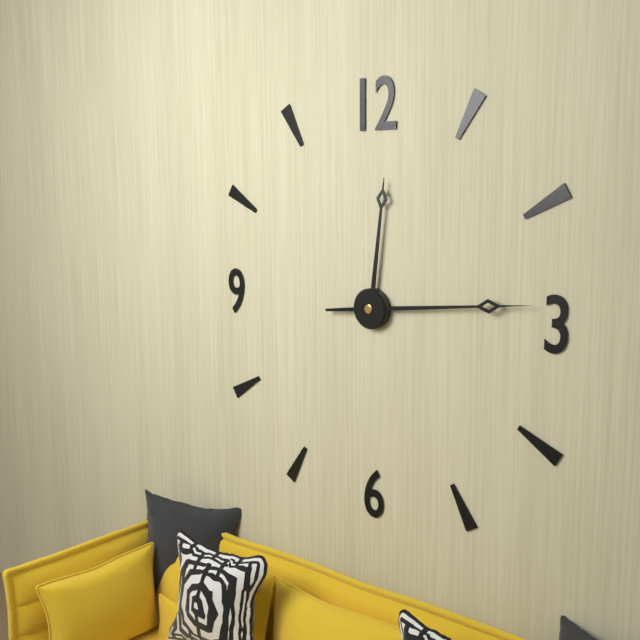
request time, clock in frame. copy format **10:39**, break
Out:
**12:14**
